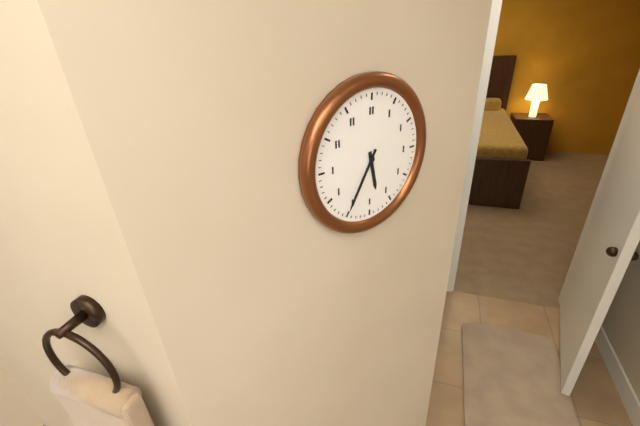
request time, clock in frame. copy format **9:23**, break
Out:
**5:35**
